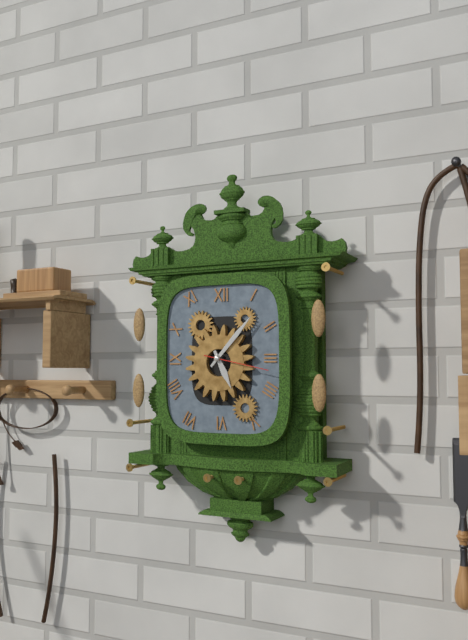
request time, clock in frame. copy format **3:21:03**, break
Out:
**5:07:17**
